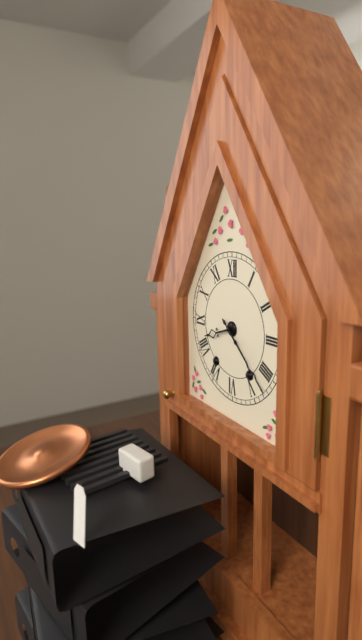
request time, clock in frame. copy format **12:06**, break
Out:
**8:22**
